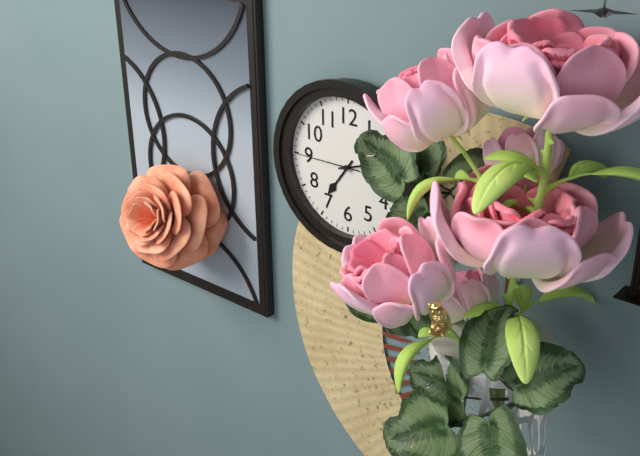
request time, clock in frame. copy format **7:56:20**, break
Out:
**7:12:45**
